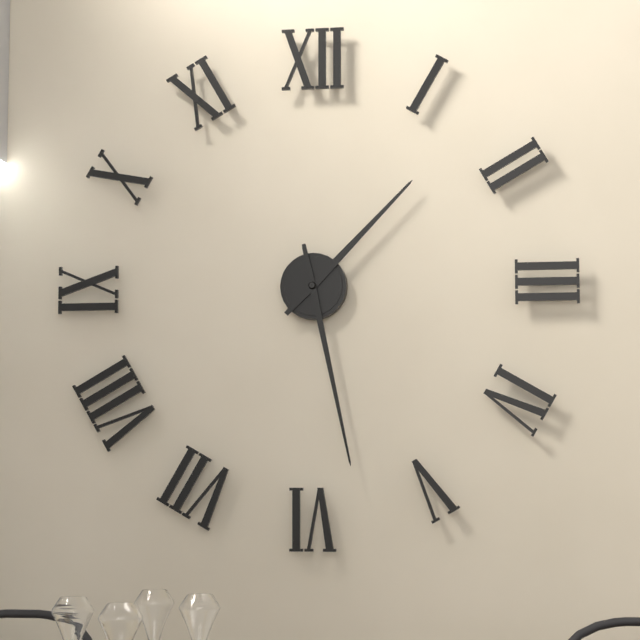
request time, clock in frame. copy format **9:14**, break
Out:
**1:28**
